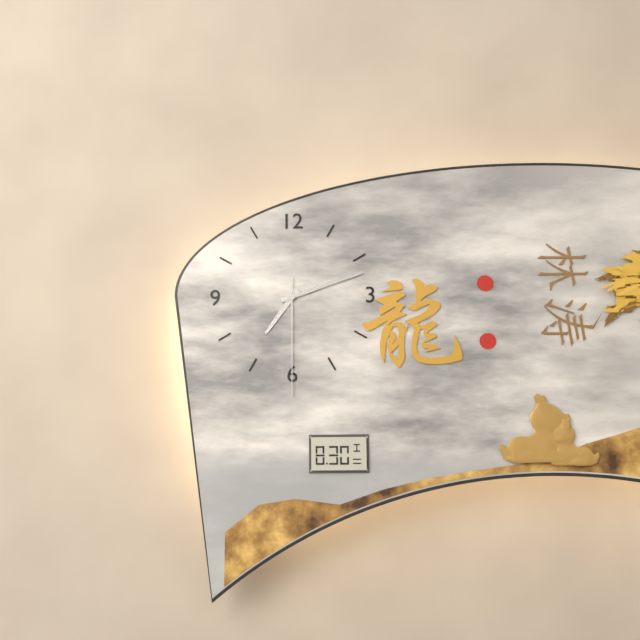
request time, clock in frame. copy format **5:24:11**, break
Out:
**7:12:30**
